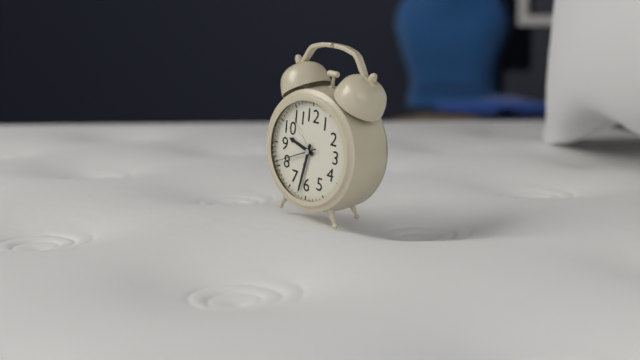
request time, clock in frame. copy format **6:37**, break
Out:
**9:32**
